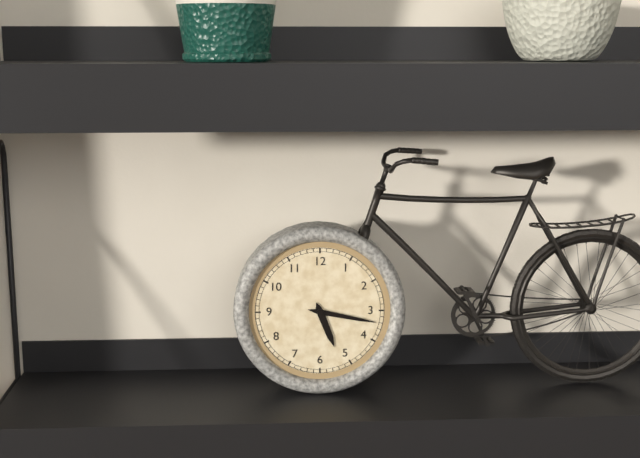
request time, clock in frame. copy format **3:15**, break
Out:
**5:17**
